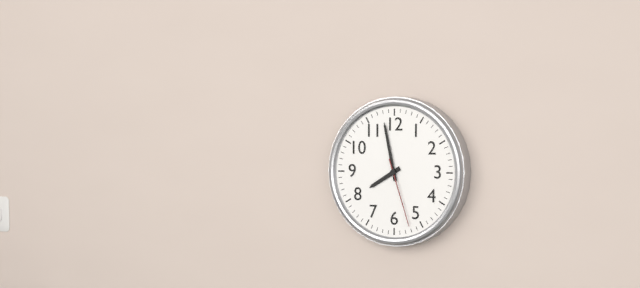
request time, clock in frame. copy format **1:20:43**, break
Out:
**7:58:27**
